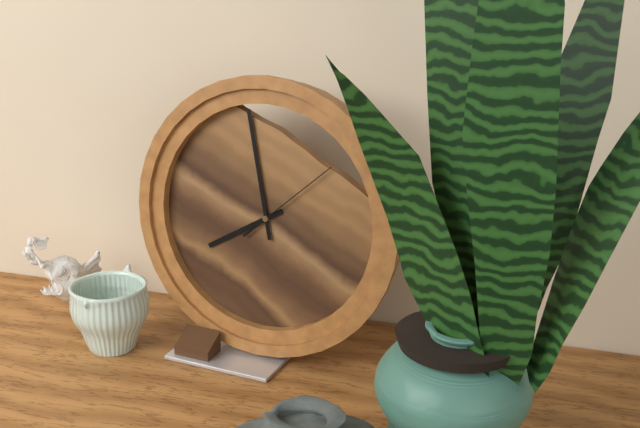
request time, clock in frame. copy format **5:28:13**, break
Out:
**7:58:08**
